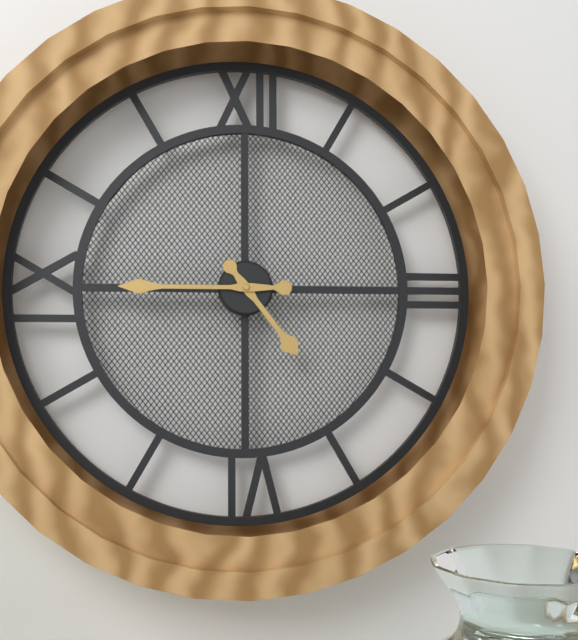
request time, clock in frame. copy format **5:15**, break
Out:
**4:45**
